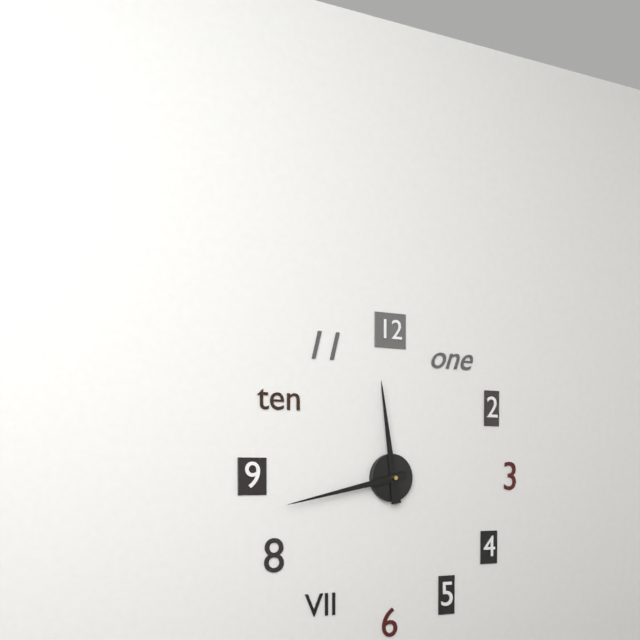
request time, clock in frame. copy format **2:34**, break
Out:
**11:43**
